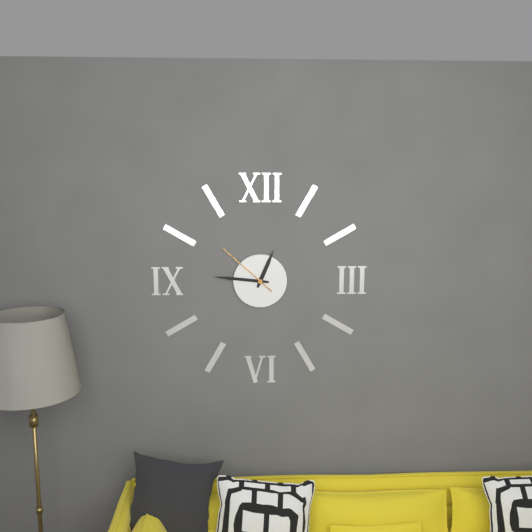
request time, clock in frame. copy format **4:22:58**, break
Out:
**12:46:52**
